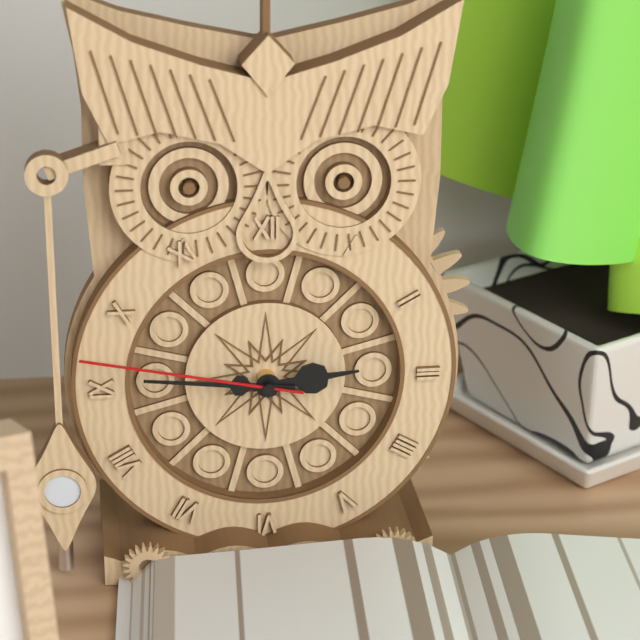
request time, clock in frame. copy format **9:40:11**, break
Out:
**2:46:47**
